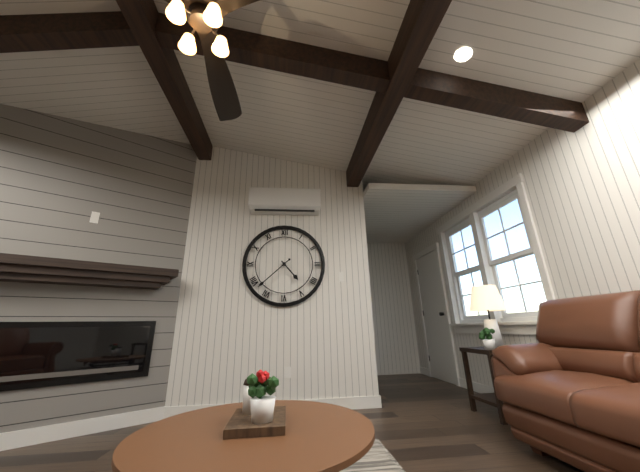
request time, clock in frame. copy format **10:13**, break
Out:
**4:38**
